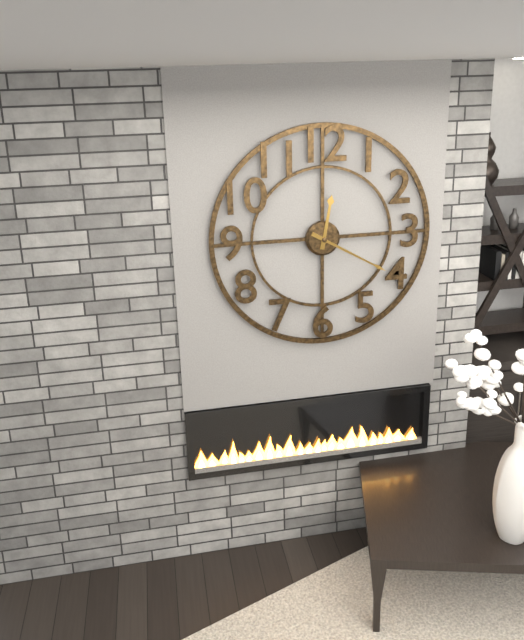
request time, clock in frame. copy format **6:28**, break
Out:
**12:20**
